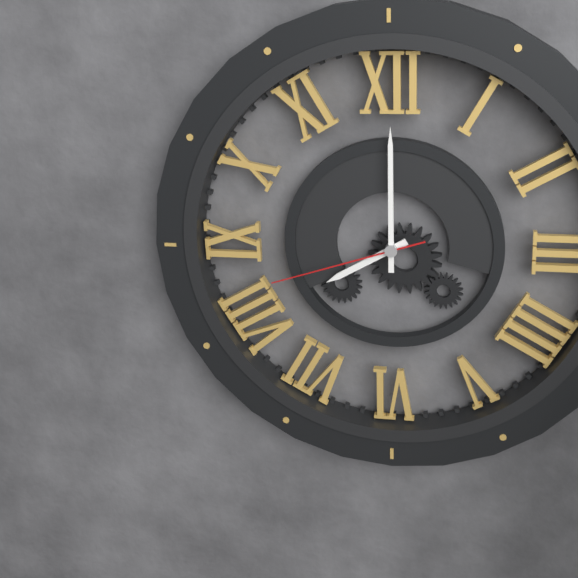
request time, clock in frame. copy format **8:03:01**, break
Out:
**8:00:42**
